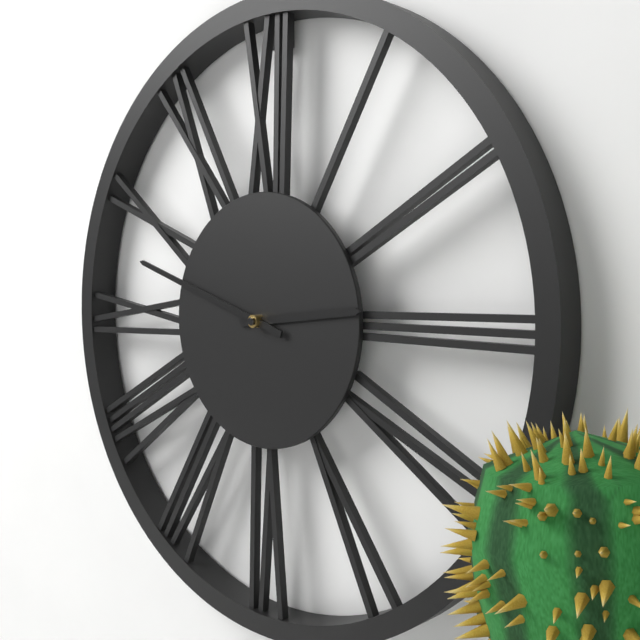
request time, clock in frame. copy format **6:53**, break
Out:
**2:48**
